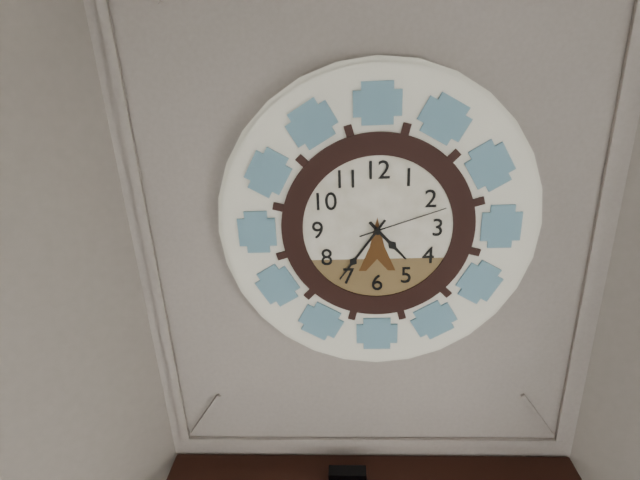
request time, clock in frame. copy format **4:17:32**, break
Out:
**4:36:12**
